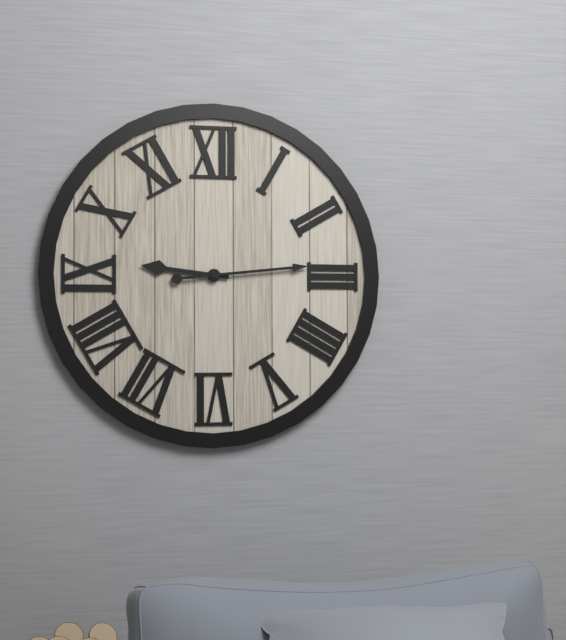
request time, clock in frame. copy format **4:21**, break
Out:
**9:14**
